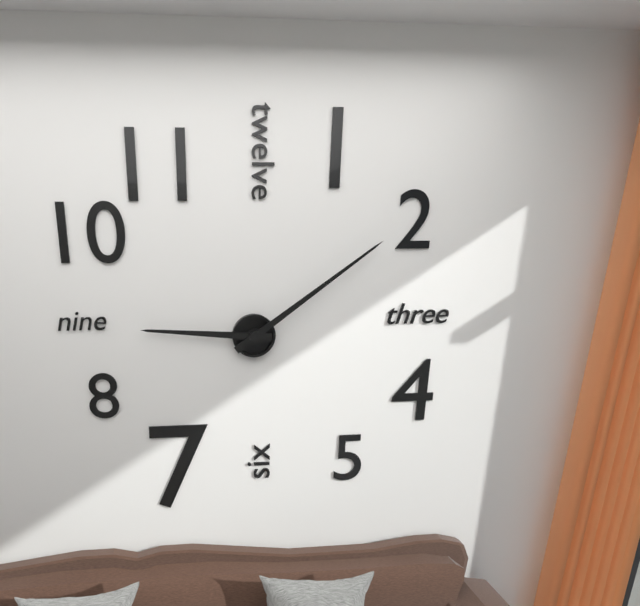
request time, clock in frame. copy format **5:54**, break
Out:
**9:09**
